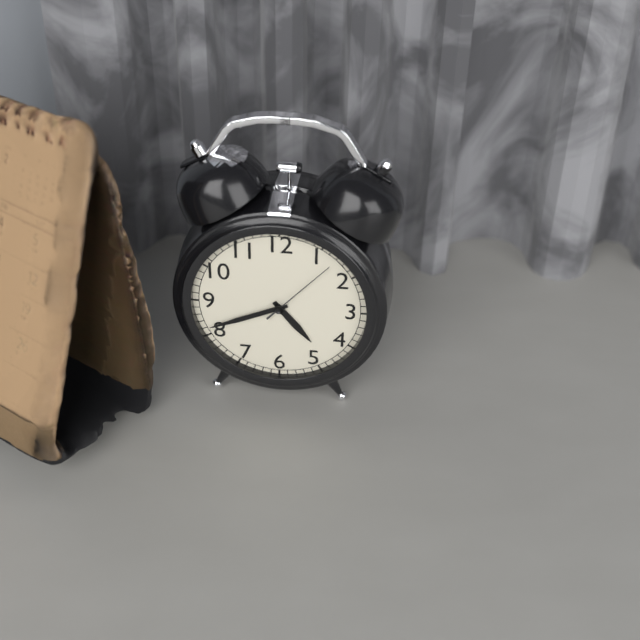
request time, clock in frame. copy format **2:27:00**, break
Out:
**4:41:07**
